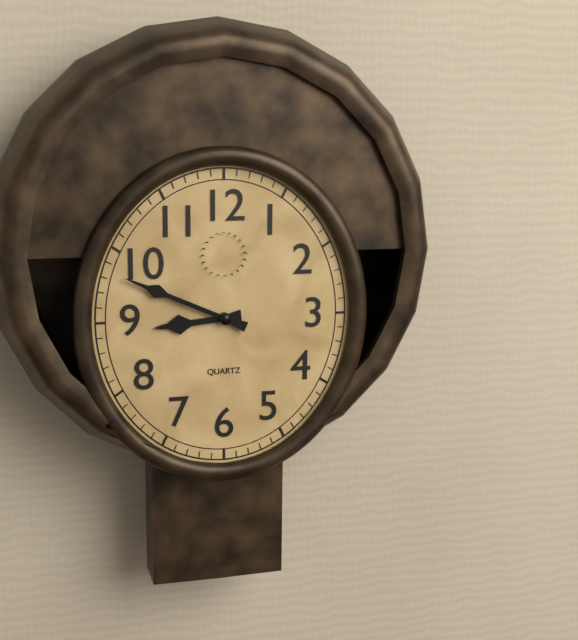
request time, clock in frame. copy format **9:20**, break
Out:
**8:49**
